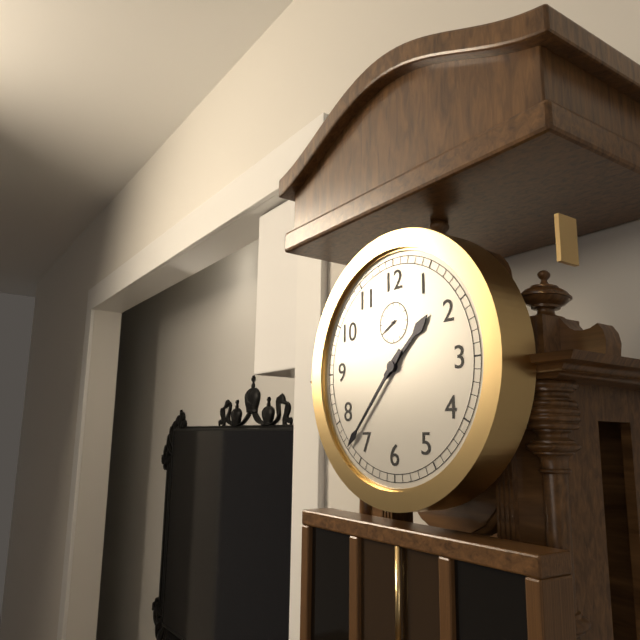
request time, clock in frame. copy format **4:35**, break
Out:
**1:37**
